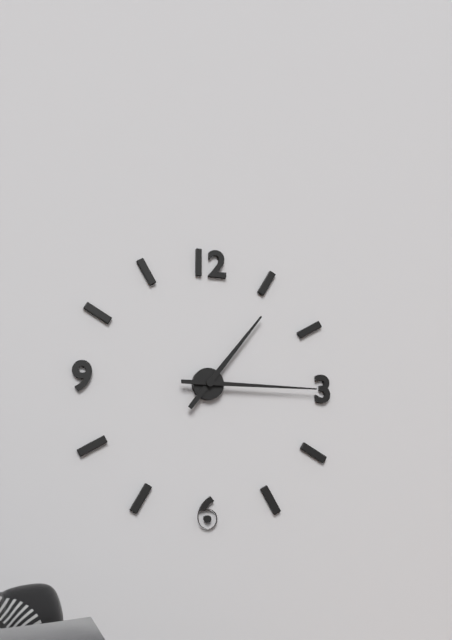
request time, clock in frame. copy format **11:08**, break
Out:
**1:15**
